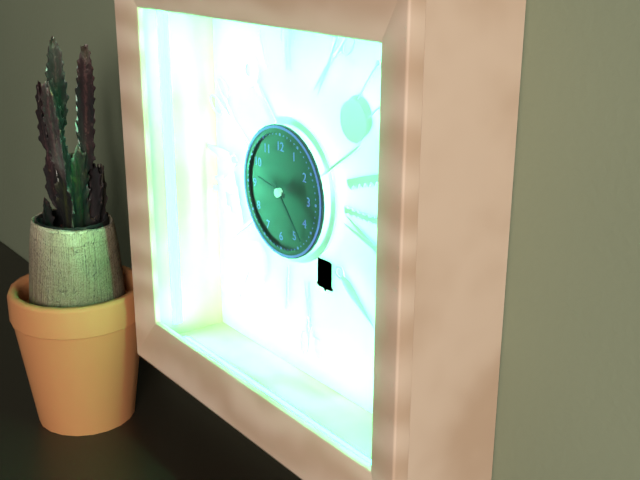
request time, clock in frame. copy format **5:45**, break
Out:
**9:23**
